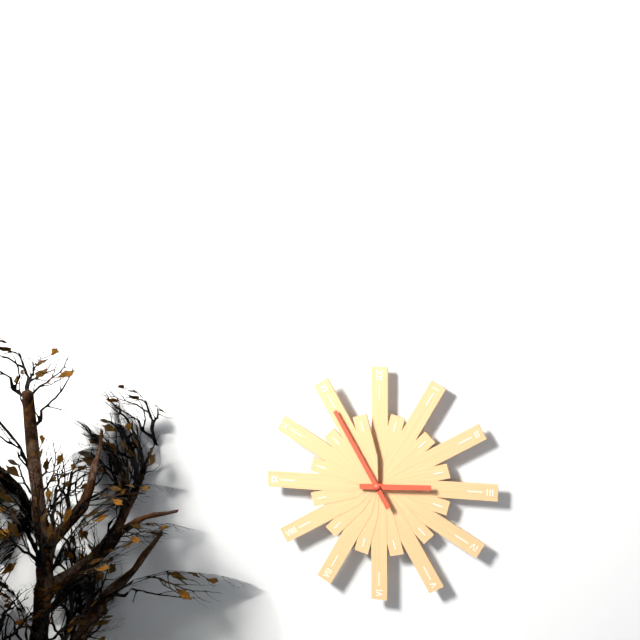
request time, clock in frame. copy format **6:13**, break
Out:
**2:55**
